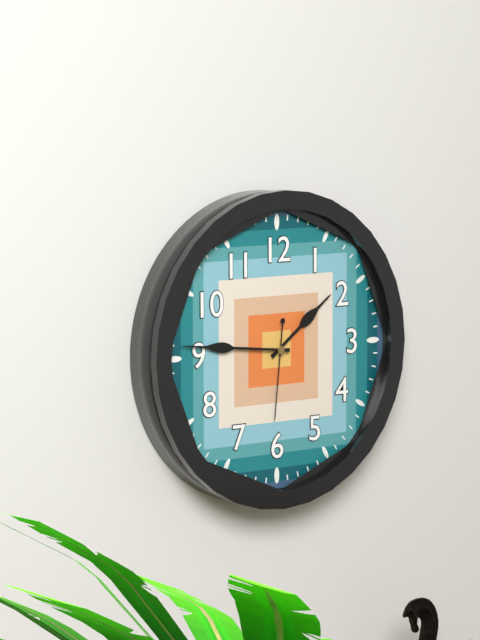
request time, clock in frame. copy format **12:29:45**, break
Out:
**1:46:31**
